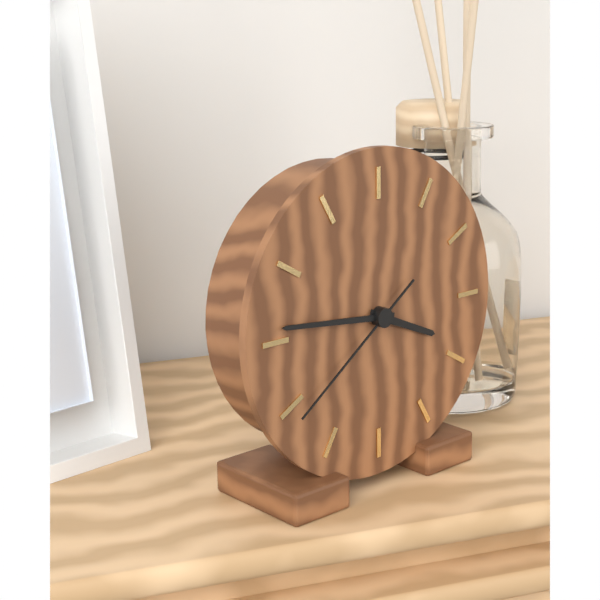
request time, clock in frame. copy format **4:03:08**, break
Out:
**3:46:39**
